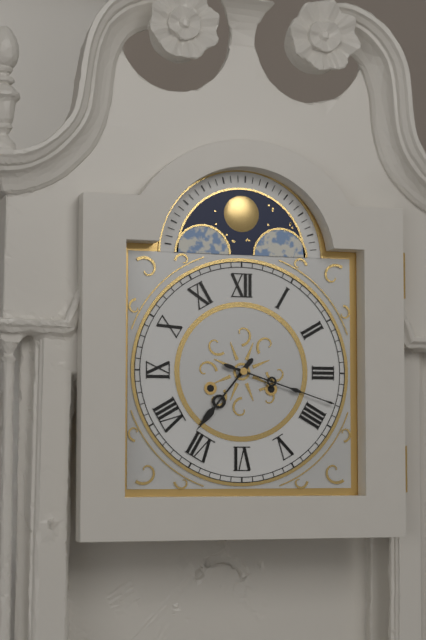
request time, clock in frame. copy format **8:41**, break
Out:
**7:18**
